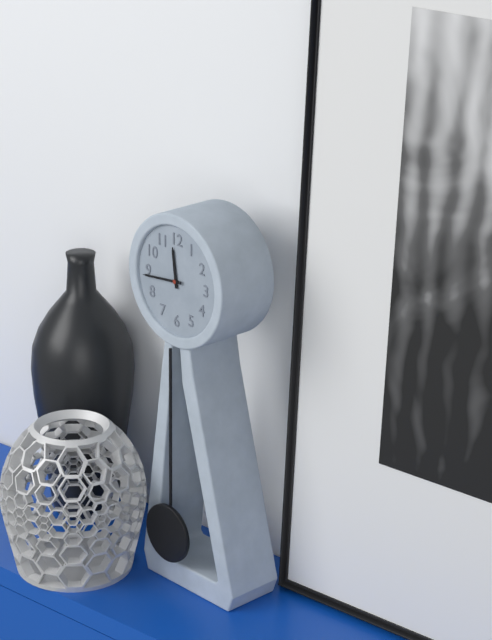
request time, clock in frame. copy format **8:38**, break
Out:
**11:44**
